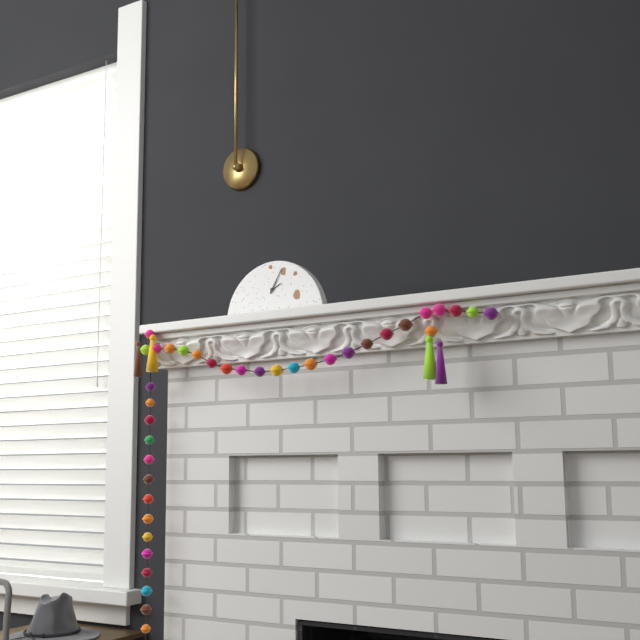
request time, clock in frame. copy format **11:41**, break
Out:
**2:05**
